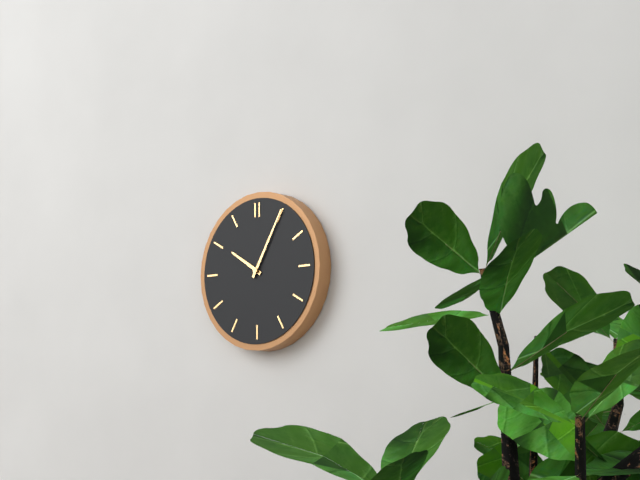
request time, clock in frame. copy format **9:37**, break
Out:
**10:05**
